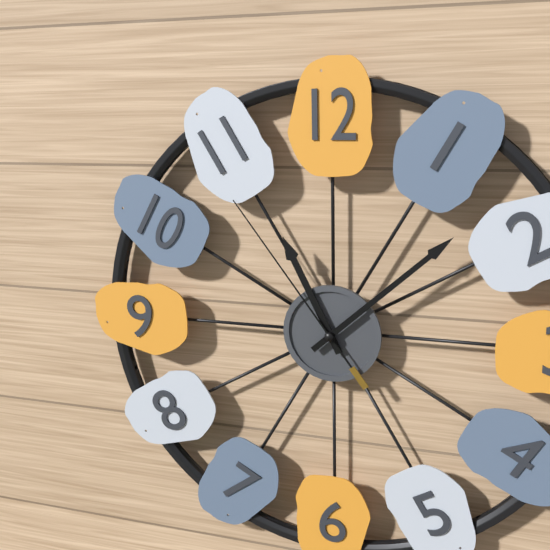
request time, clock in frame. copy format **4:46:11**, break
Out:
**11:08:54**
